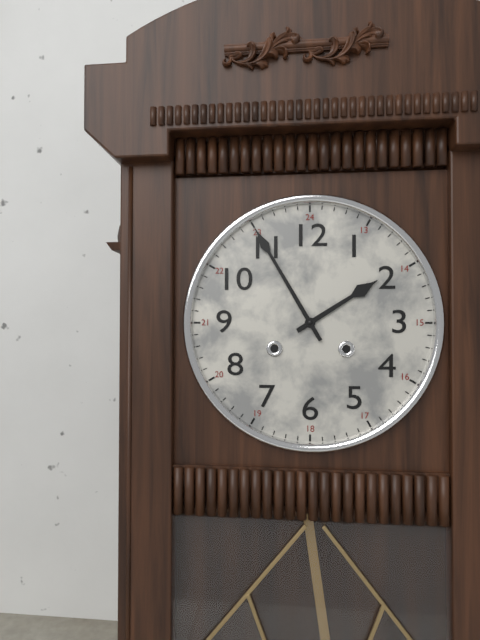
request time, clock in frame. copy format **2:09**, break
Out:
**1:55**
